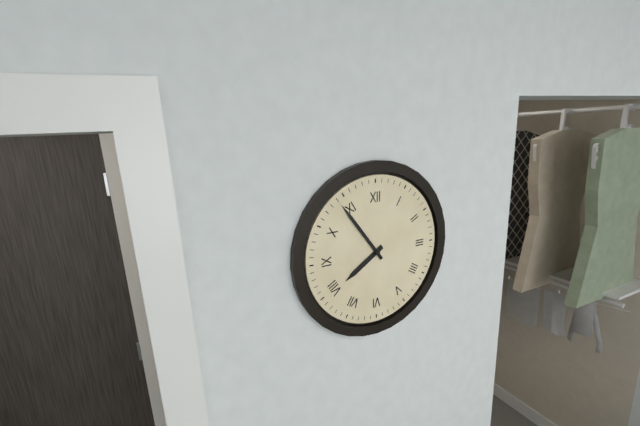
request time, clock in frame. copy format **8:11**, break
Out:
**7:54**
